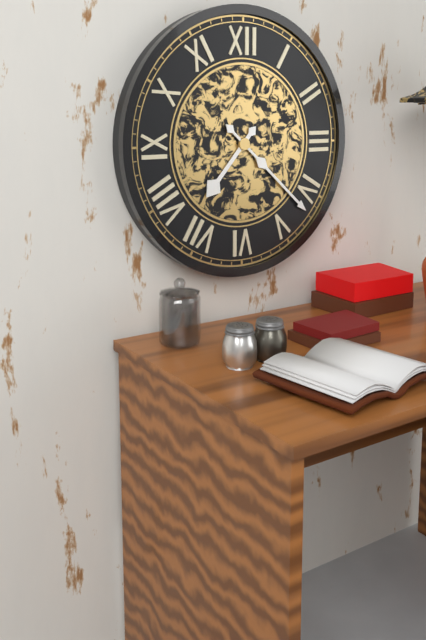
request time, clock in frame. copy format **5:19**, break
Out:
**7:22**
